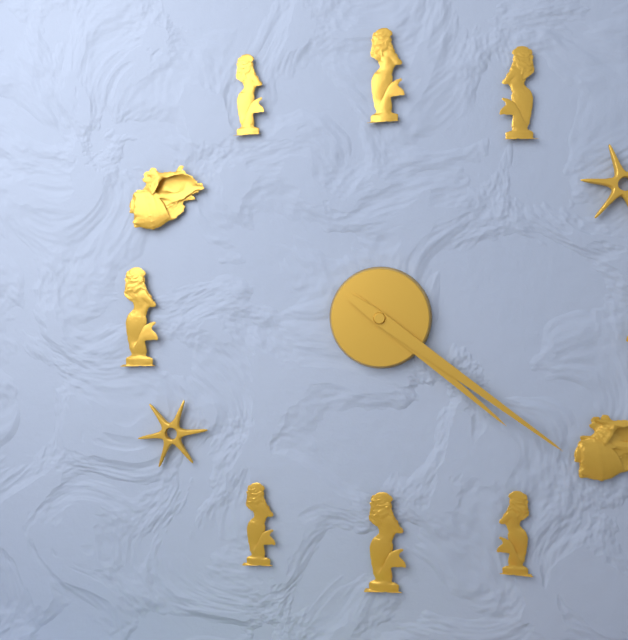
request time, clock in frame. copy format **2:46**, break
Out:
**4:21**
